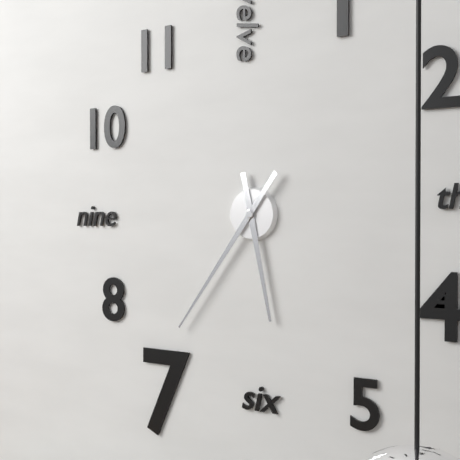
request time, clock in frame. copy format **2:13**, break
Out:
**5:36**
